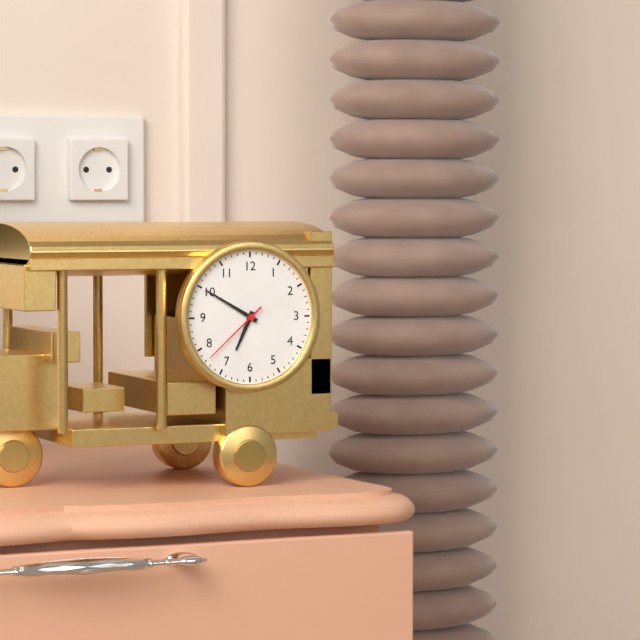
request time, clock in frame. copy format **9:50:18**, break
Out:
**6:50:38**
